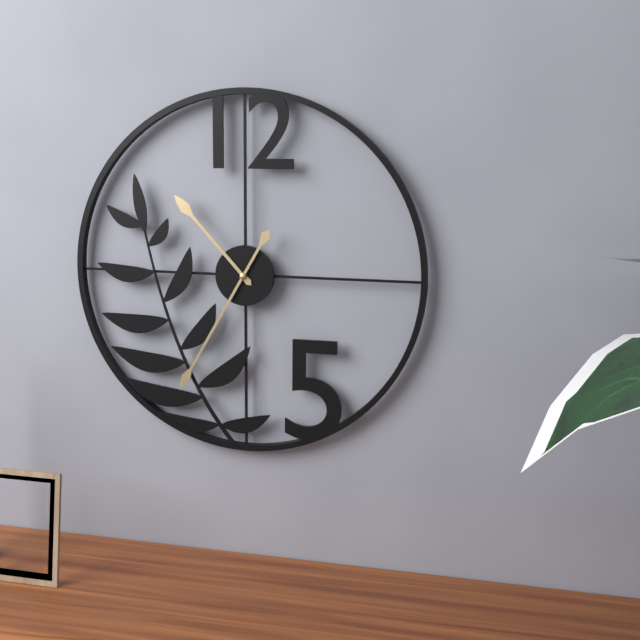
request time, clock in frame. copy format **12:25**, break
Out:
**10:35**
